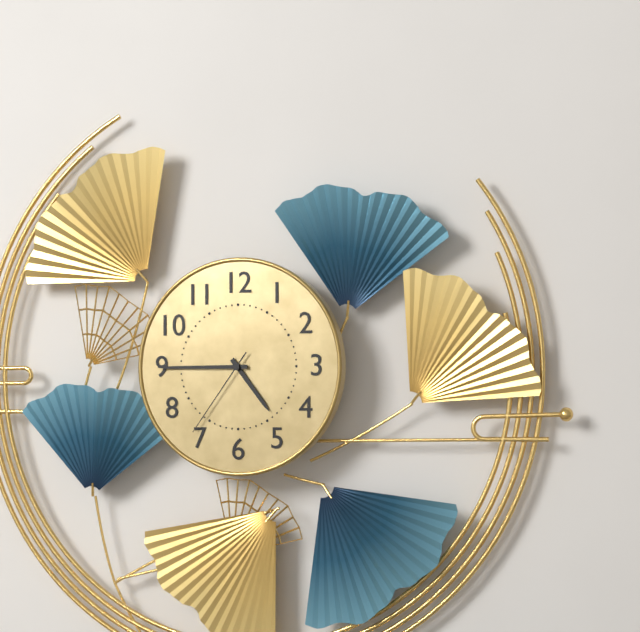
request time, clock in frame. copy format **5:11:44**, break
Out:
**4:45:36**
